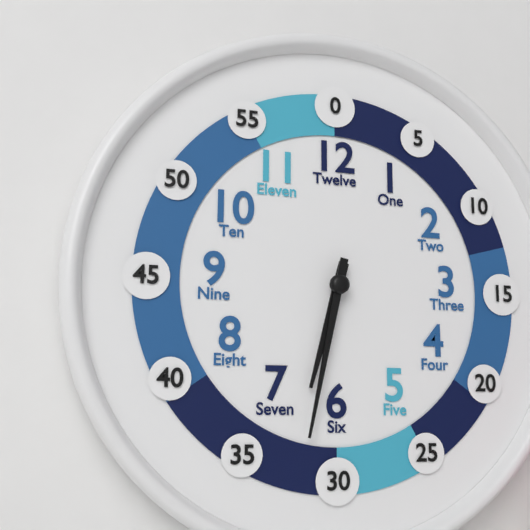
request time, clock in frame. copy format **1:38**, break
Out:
**6:32**
